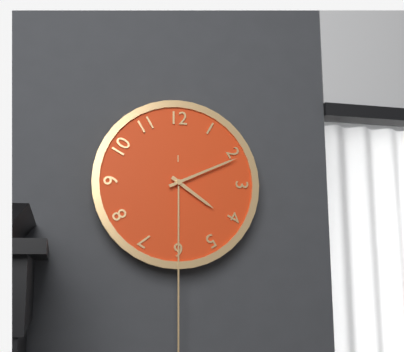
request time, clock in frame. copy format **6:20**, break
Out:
**4:11**
